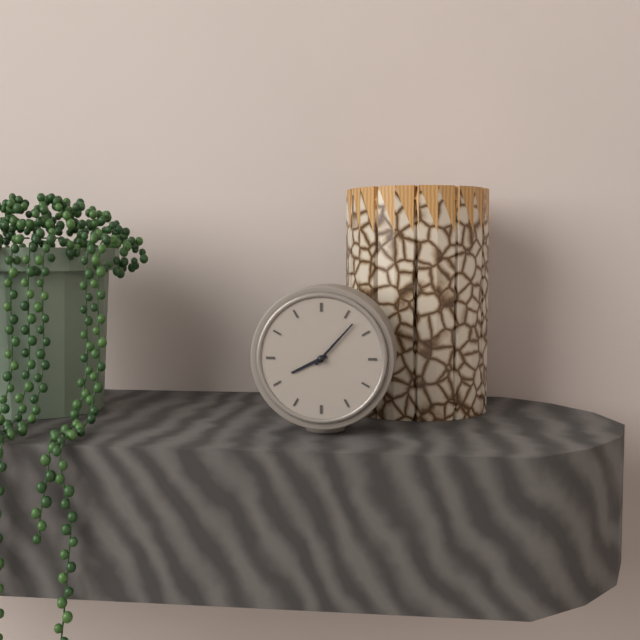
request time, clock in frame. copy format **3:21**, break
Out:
**8:07**
